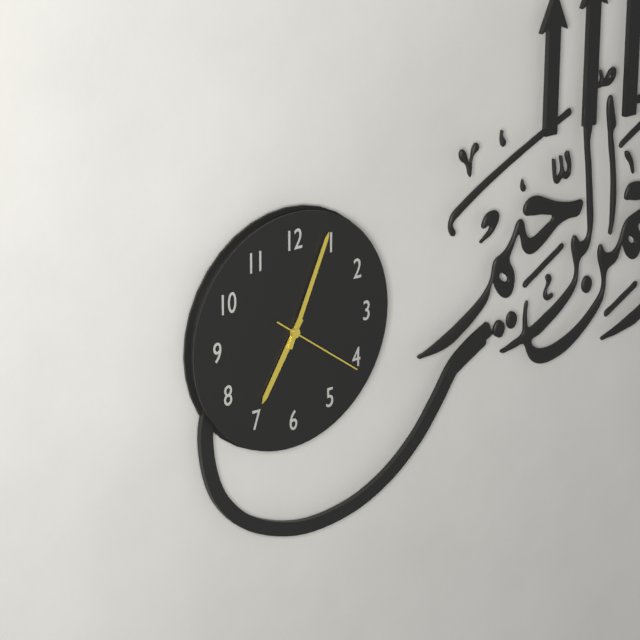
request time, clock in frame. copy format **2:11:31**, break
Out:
**7:04:21**
